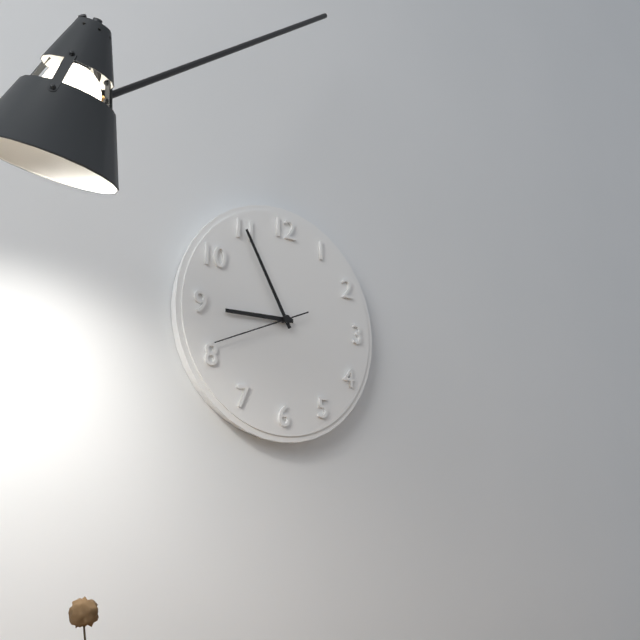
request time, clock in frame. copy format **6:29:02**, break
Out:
**8:55:41**
